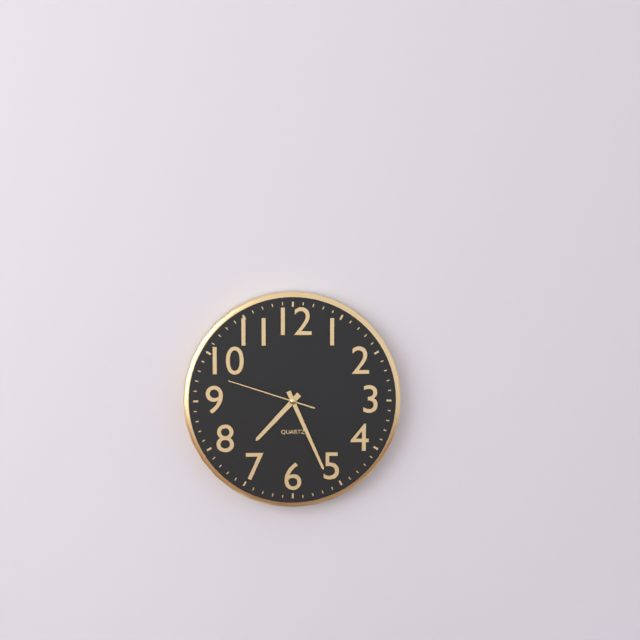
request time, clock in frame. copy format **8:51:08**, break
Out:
**7:26:48**
